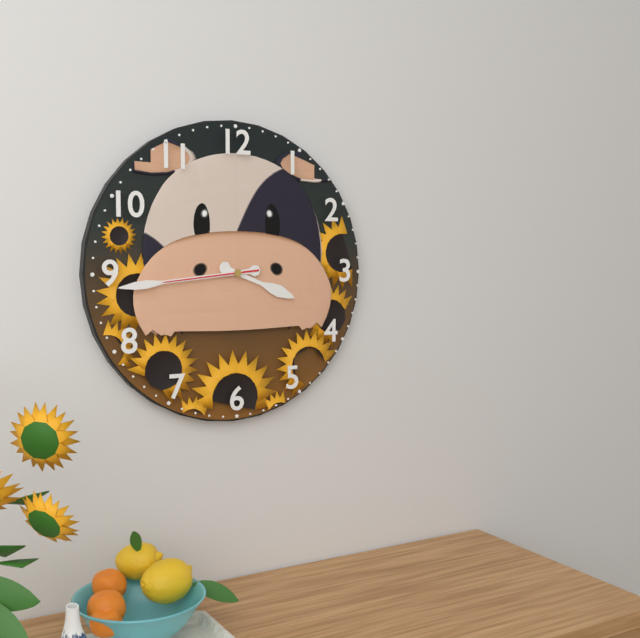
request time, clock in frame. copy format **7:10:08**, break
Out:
**3:44:44**
